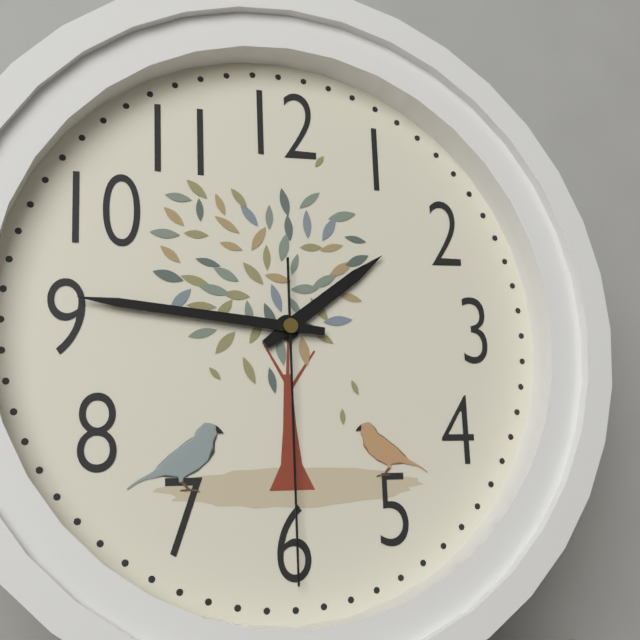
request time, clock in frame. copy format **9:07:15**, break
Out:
**1:46:30**
